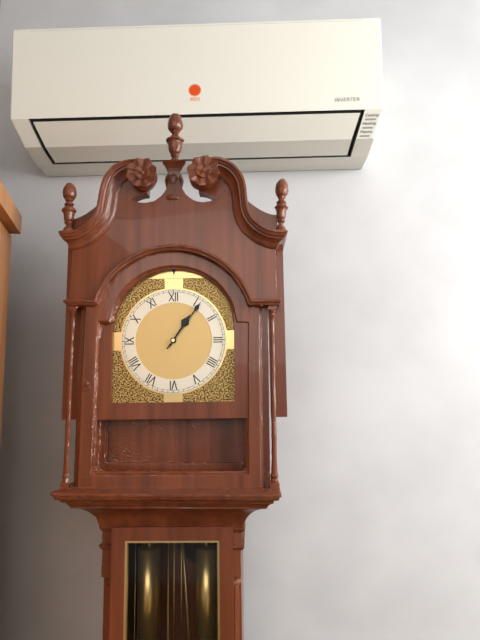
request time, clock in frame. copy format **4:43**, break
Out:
**1:06**
